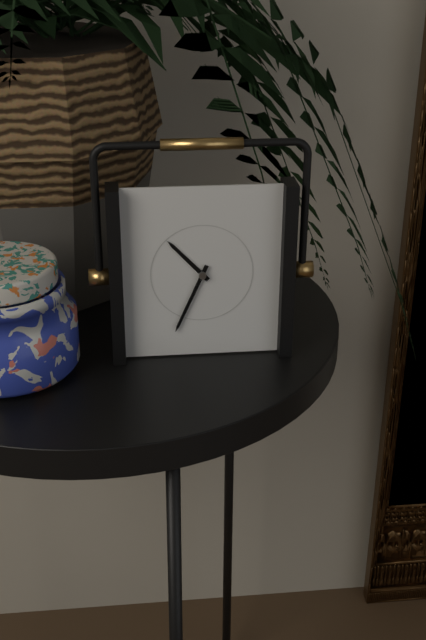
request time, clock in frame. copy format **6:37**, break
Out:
**10:34**
